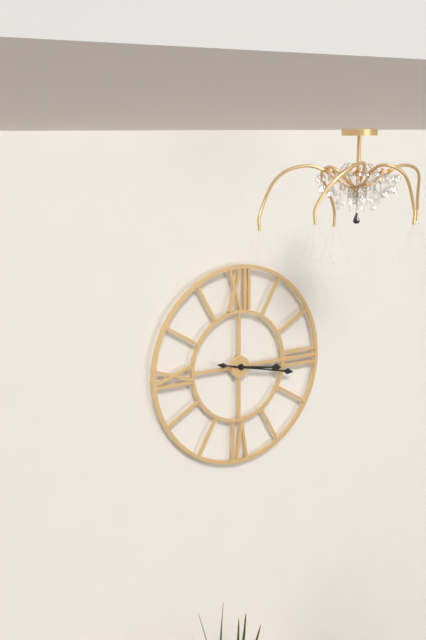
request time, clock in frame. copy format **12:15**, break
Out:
**3:17**
